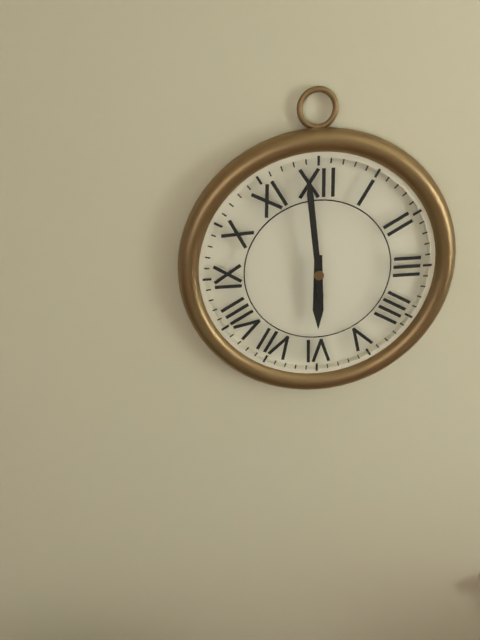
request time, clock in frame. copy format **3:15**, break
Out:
**5:59**
